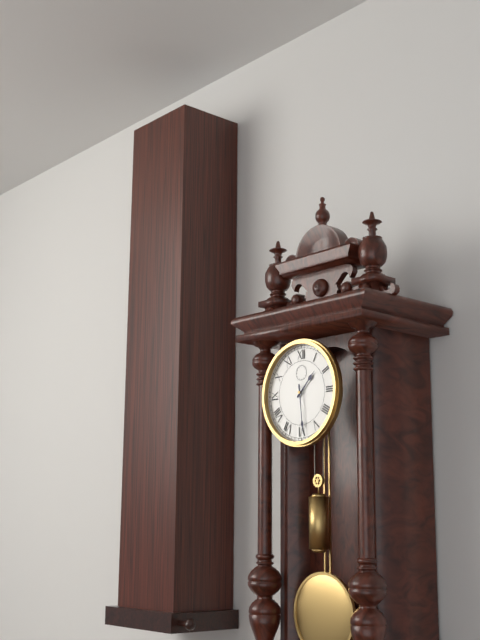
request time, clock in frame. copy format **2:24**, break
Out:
**1:29**
